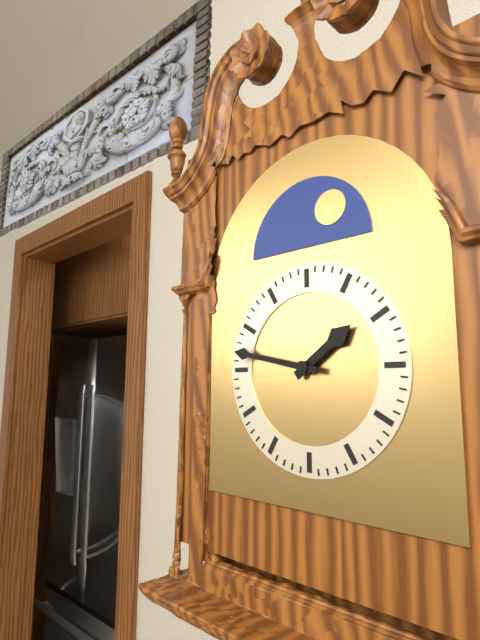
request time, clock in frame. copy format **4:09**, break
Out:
**1:47**
